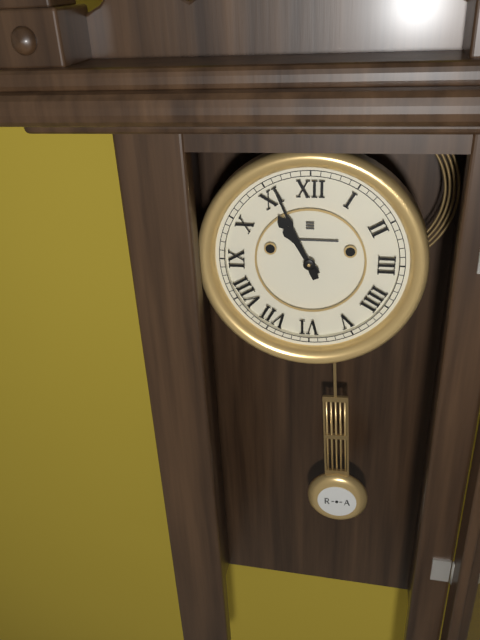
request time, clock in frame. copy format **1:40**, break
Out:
**10:56**
